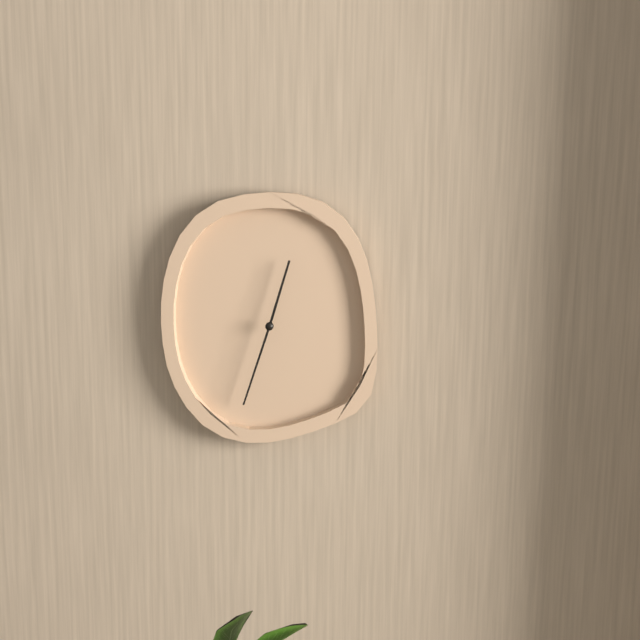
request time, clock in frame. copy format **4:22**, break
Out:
**12:33**
